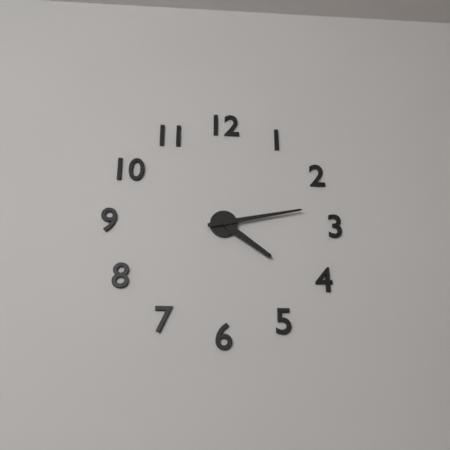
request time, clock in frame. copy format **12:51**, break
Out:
**4:13**
